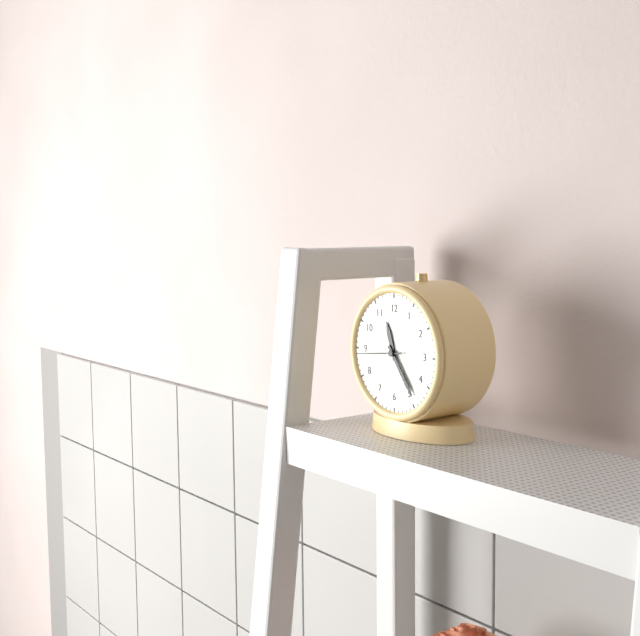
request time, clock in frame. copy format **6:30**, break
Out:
**11:24**
